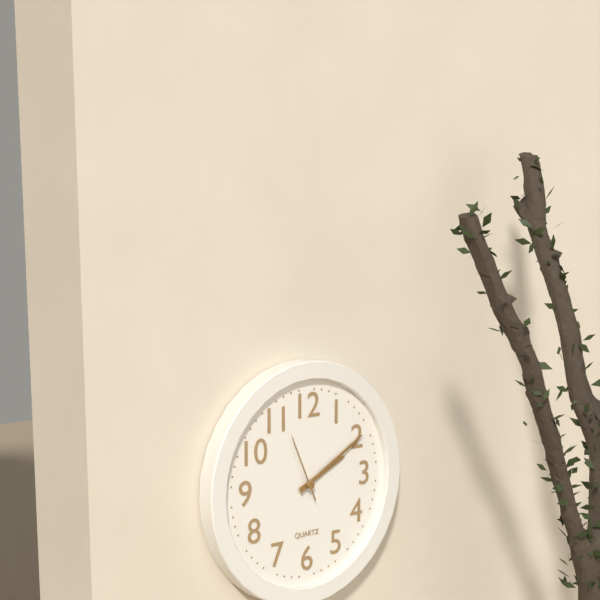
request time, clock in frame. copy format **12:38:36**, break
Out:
**2:10:56**
